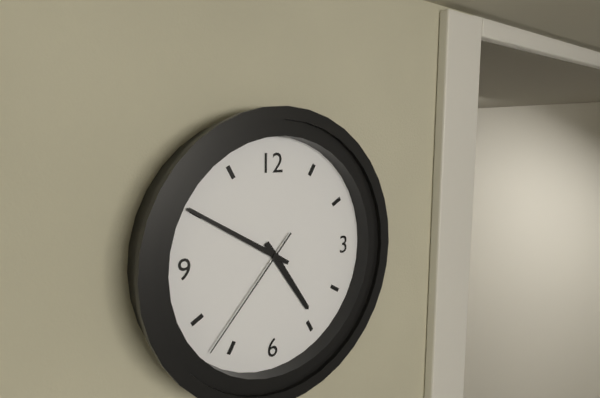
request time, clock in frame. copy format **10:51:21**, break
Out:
**4:50:37**
